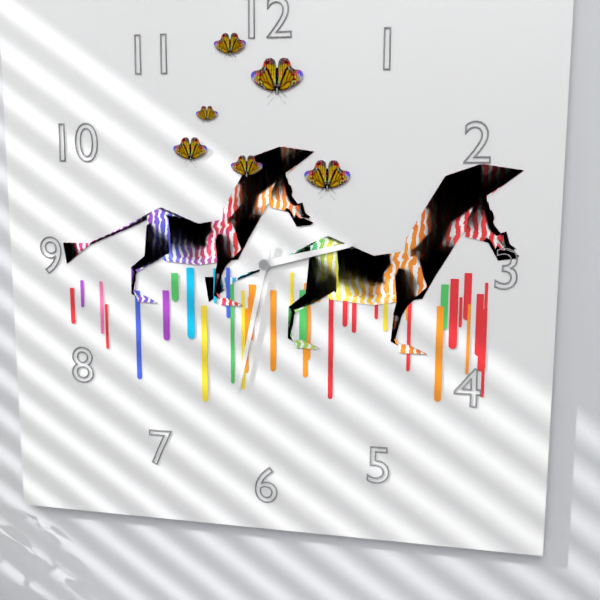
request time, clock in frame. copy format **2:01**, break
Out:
**2:32**
